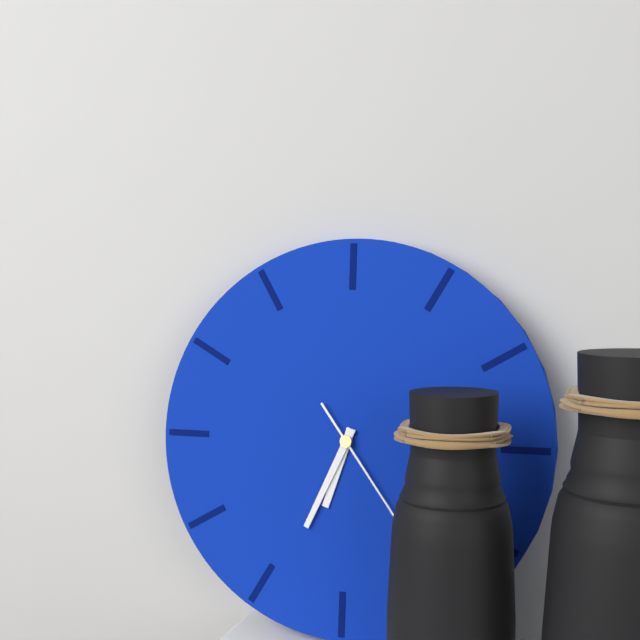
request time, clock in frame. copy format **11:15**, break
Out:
**6:34**
